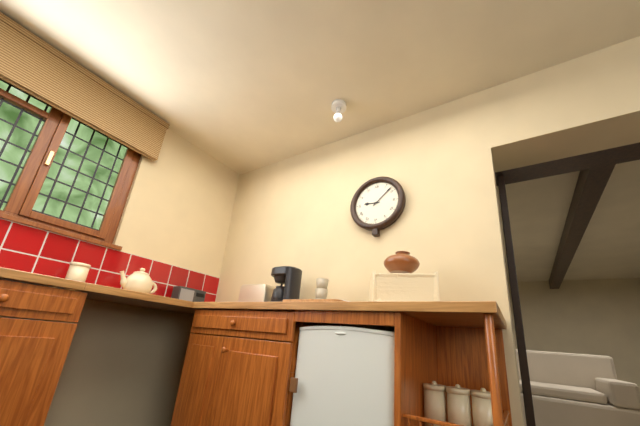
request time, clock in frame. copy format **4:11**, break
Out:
**9:08**
